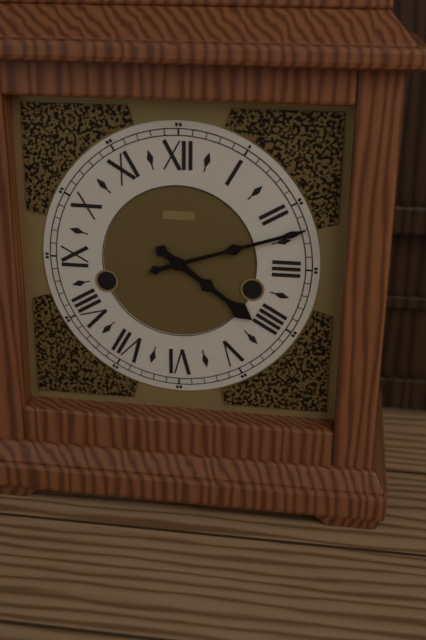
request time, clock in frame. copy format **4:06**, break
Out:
**4:12**
